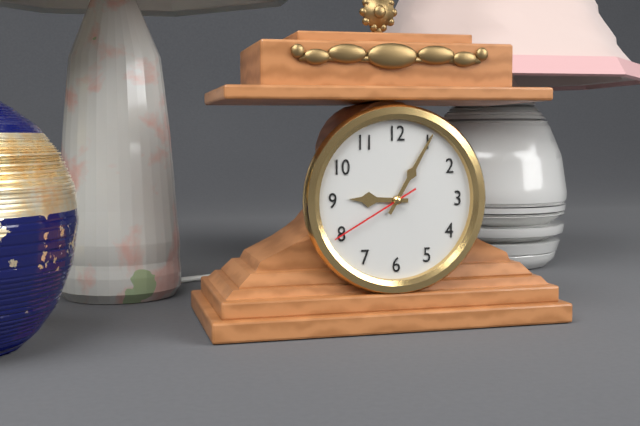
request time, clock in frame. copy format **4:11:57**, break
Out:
**9:05:40**
